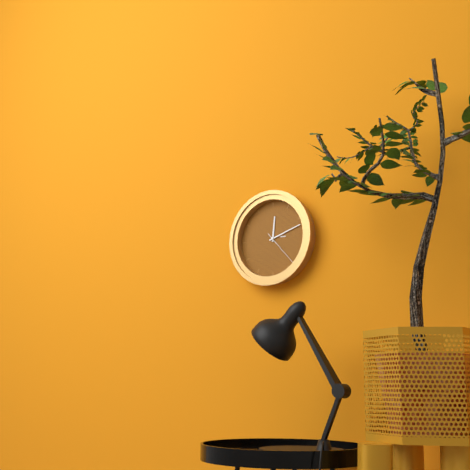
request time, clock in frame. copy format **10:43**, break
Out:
**12:12**
